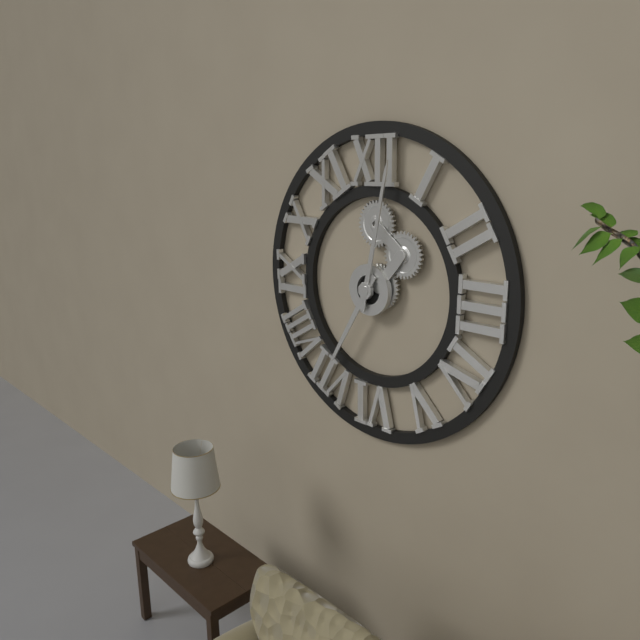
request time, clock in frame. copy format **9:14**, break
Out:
**7:02**
